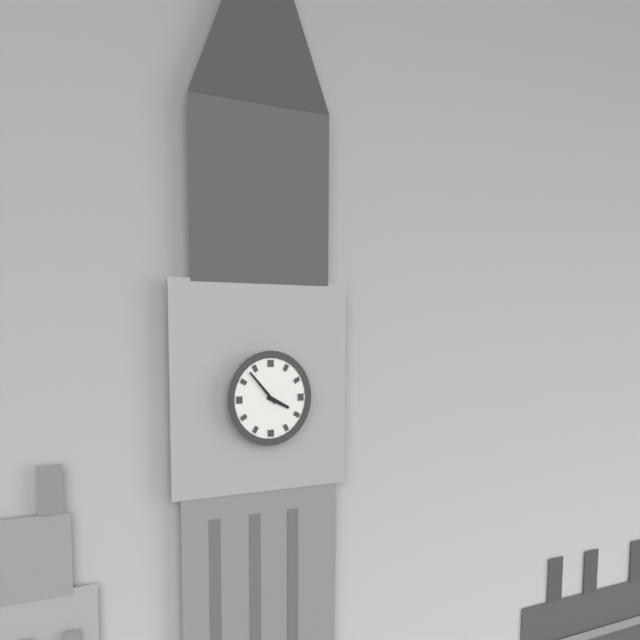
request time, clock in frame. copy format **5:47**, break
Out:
**3:53**
